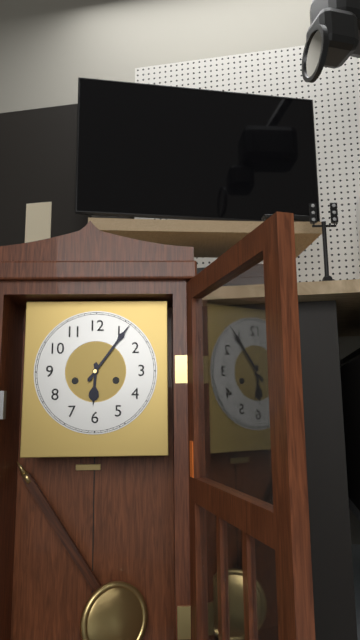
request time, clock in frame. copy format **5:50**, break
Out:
**6:06**
